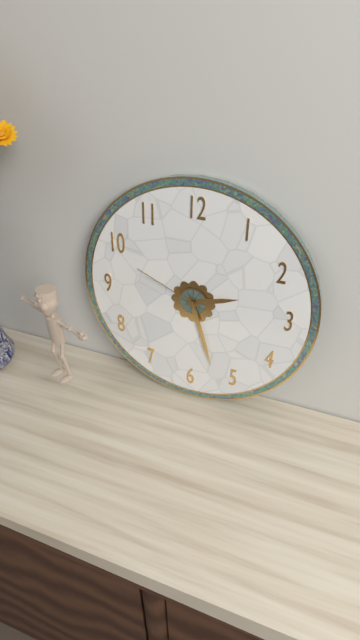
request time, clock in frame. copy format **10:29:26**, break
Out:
**2:27:49**
